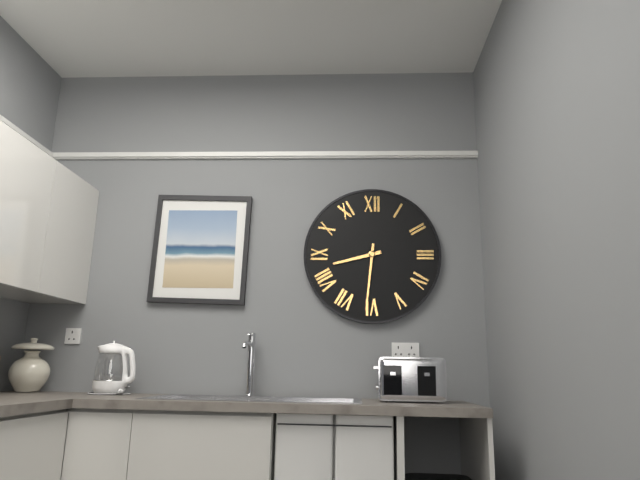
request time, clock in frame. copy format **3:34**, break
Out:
**8:31**
